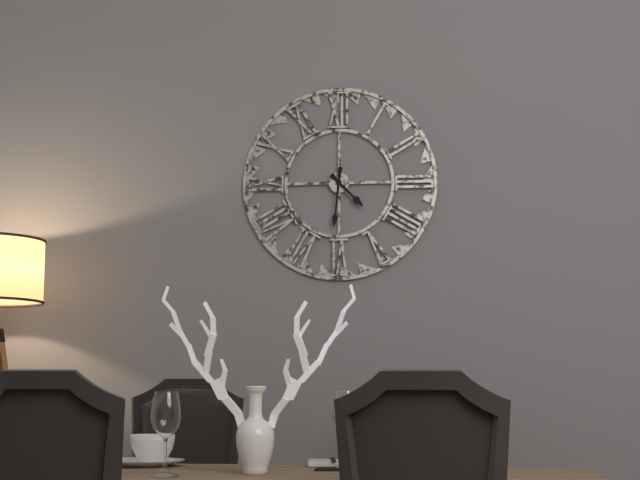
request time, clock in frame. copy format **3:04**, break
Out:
**4:31**
